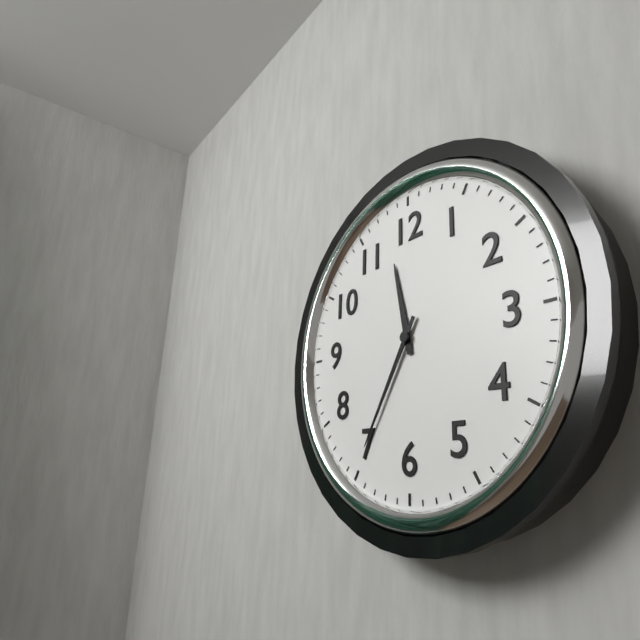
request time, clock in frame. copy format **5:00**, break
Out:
**11:35**
